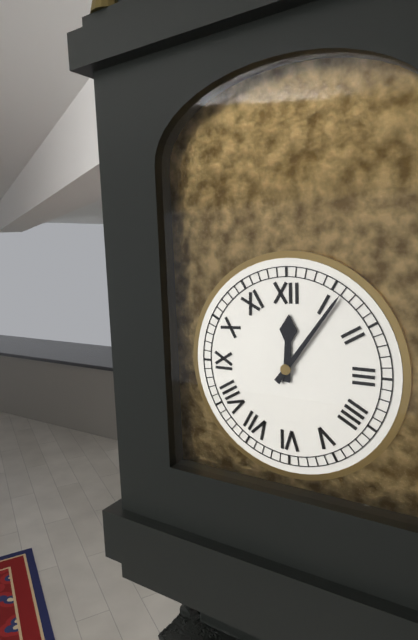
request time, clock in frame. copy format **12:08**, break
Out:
**12:06**
